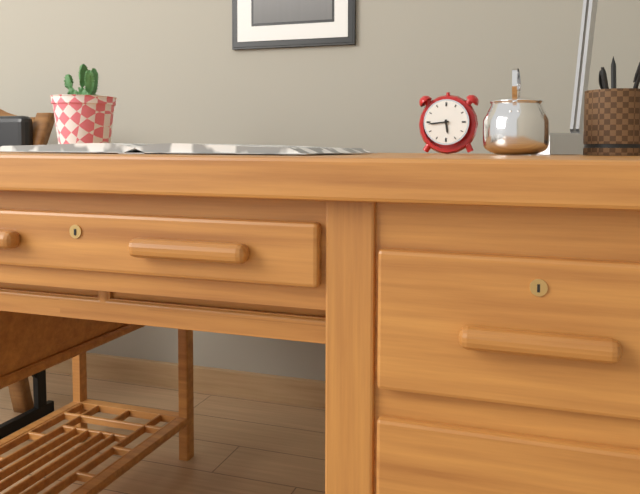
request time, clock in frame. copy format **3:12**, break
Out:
**5:44**
